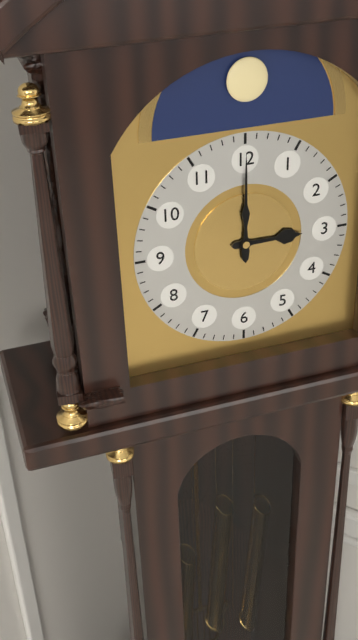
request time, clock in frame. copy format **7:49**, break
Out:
**3:00**
